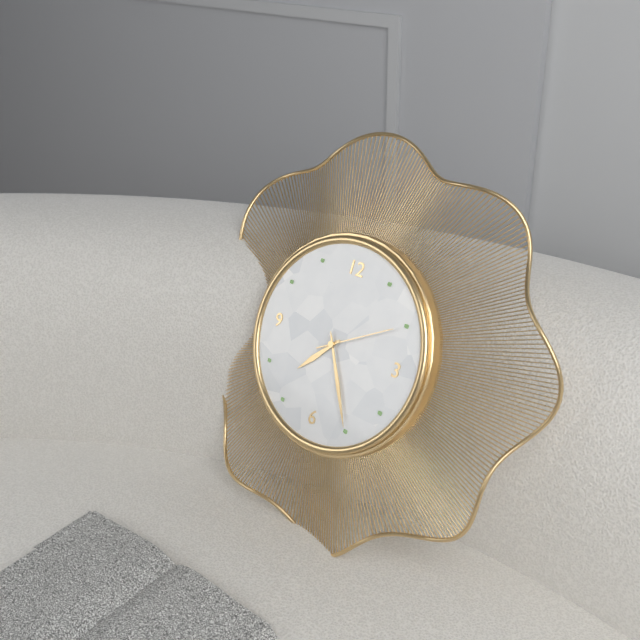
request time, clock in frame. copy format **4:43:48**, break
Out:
**7:25:10**
